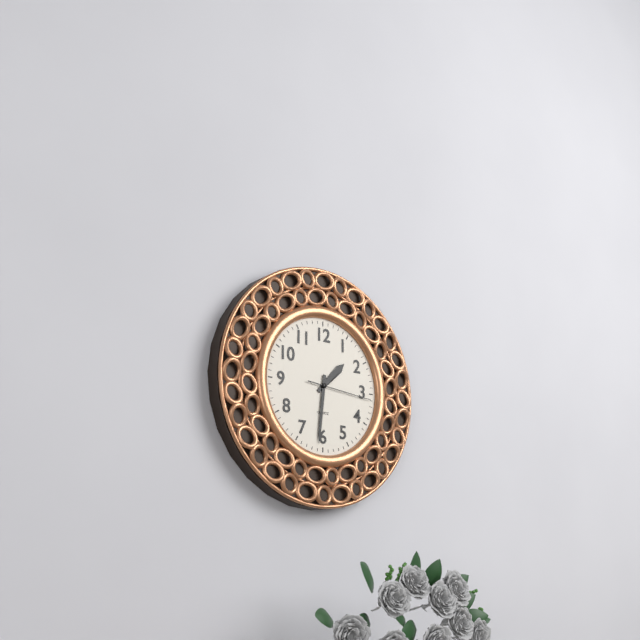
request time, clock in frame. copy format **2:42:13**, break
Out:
**1:31:16**
